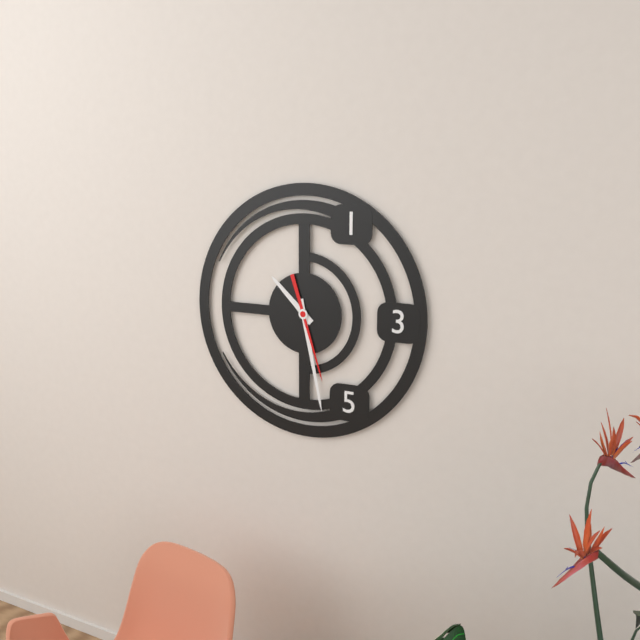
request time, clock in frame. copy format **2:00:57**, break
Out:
**10:28:27**
